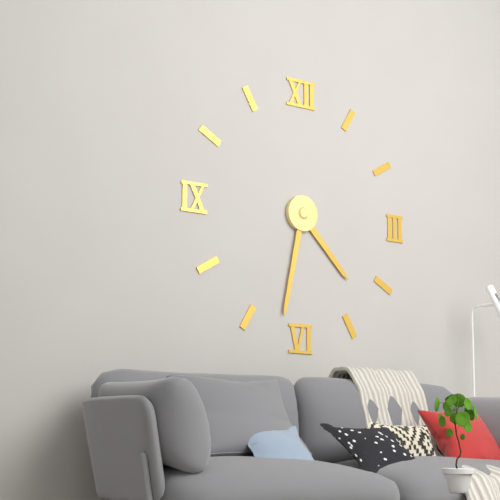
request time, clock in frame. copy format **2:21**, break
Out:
**4:32**
